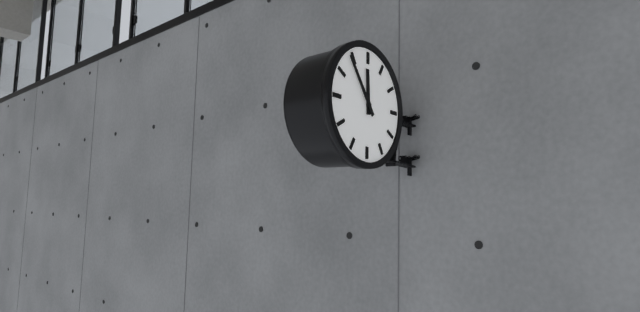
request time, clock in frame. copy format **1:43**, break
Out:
**11:54**
